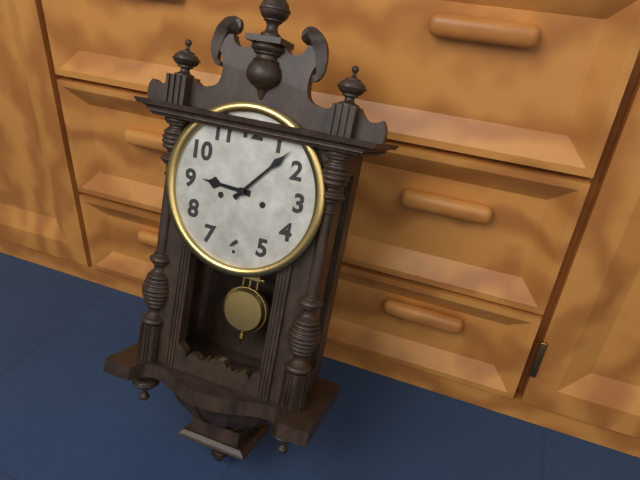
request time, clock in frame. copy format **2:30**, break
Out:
**9:07**
